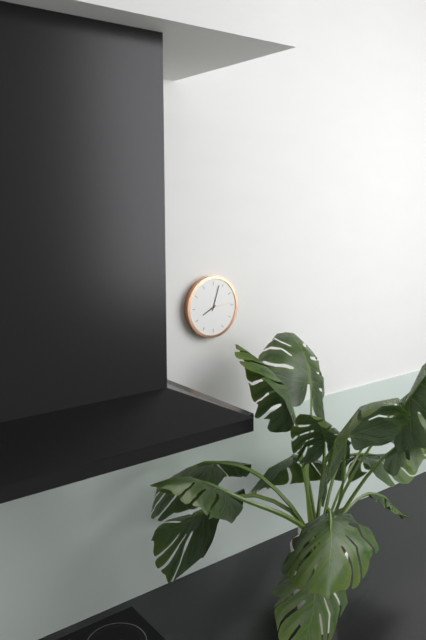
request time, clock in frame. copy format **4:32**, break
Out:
**8:03**
